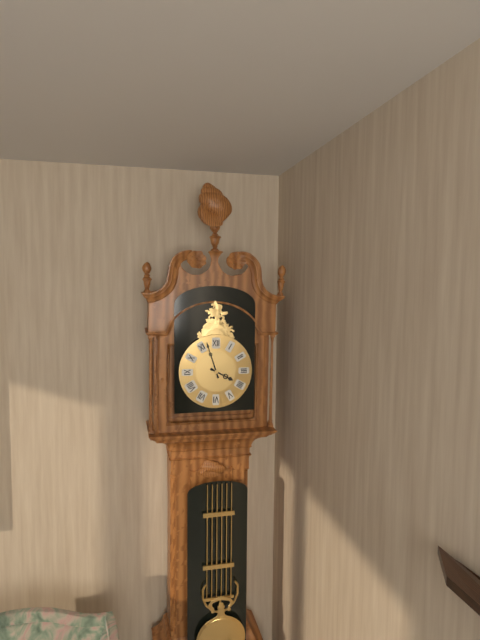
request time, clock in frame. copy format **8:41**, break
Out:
**3:57**
